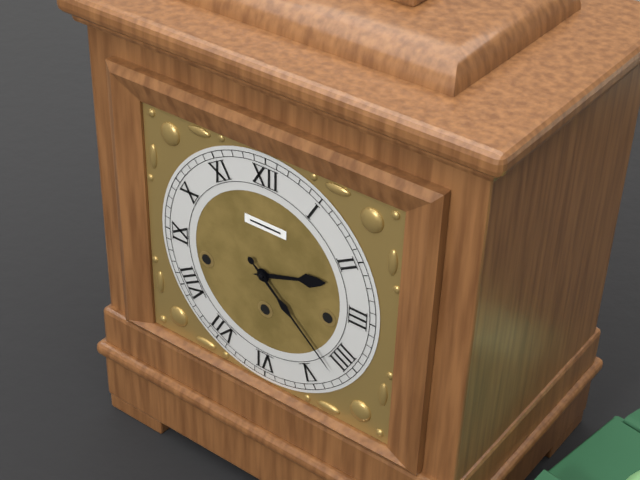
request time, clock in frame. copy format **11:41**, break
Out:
**2:22**
